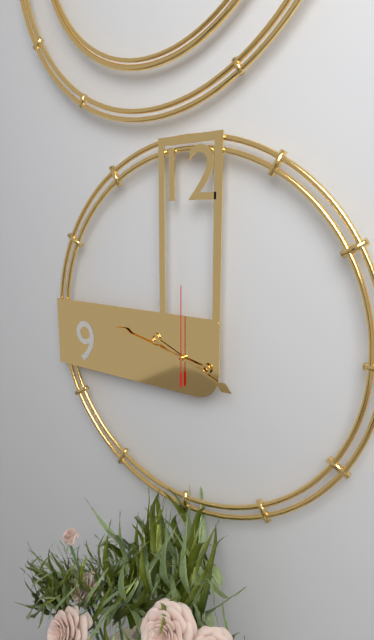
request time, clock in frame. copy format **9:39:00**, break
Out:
**3:47:00**
